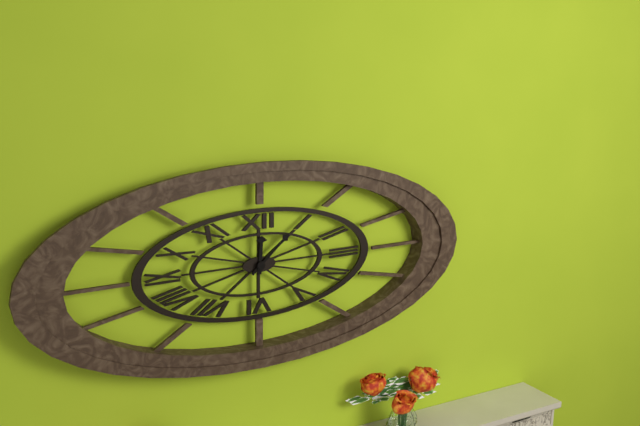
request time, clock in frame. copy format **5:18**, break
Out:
**12:08**
